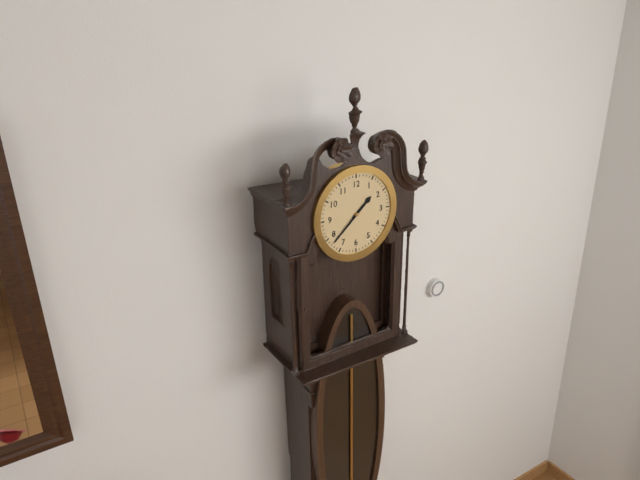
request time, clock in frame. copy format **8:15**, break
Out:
**1:38**
